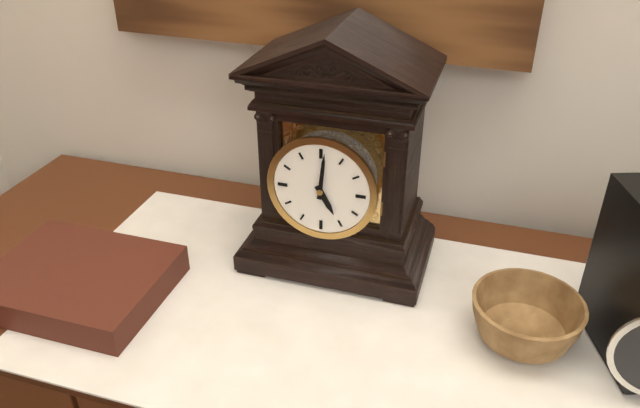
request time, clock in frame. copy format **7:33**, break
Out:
**5:01**
